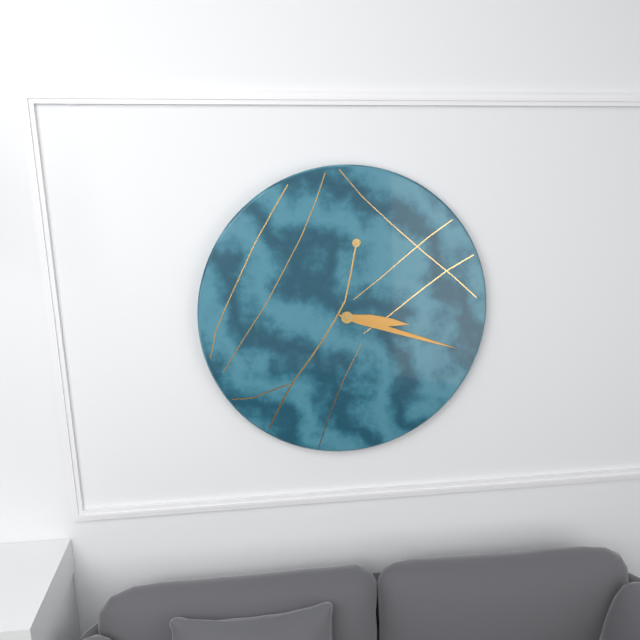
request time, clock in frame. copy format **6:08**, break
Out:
**3:18**
